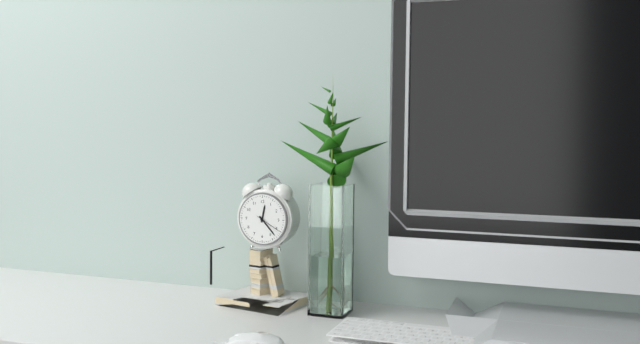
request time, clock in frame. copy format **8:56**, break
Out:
**12:23**
